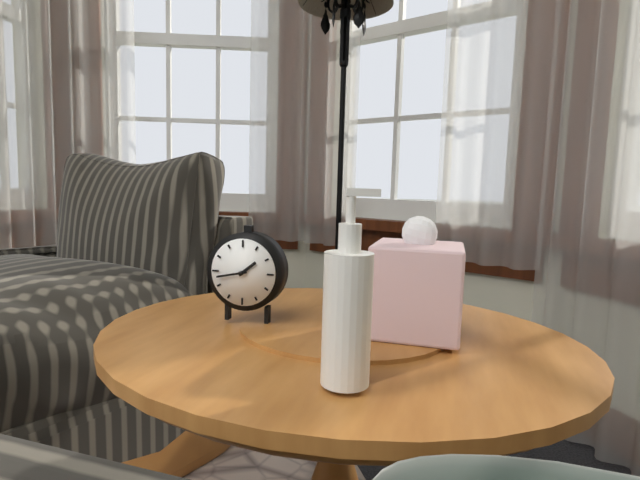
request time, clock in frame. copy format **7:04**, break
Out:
**1:43**
